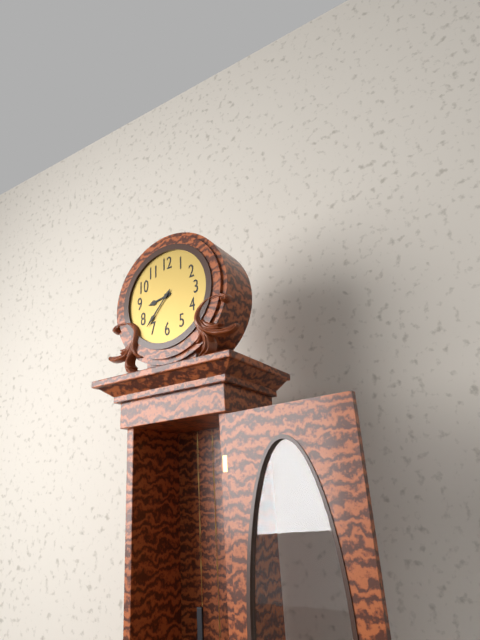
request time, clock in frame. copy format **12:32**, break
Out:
**8:37**
